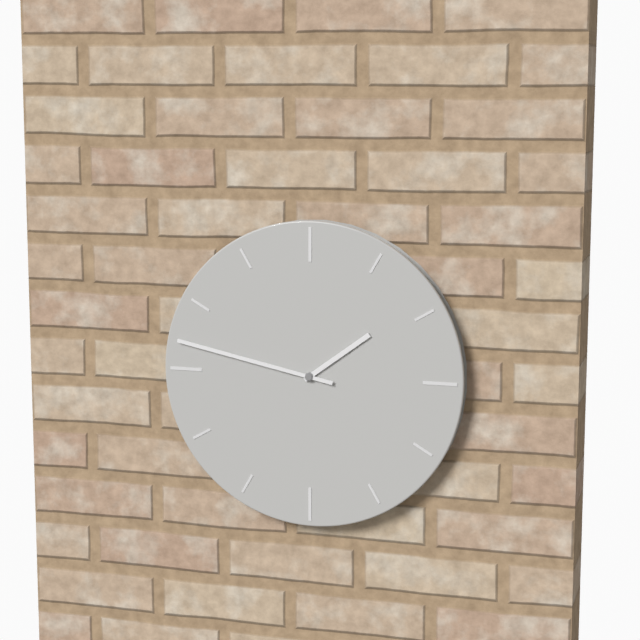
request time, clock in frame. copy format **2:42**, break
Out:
**1:47**
